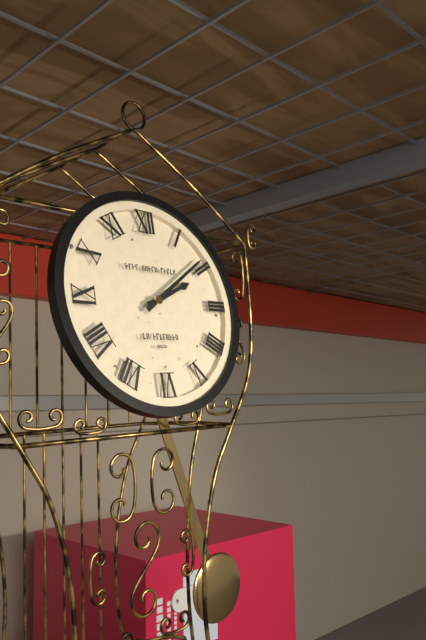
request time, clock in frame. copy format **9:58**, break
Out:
**2:09**
